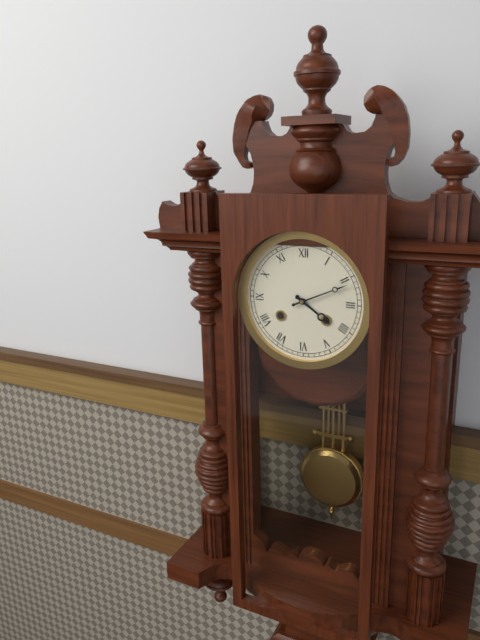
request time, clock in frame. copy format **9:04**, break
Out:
**4:11**
